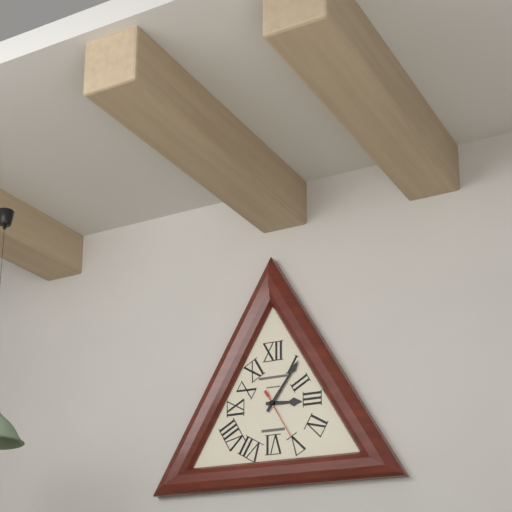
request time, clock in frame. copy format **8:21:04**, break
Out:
**3:06:25**
